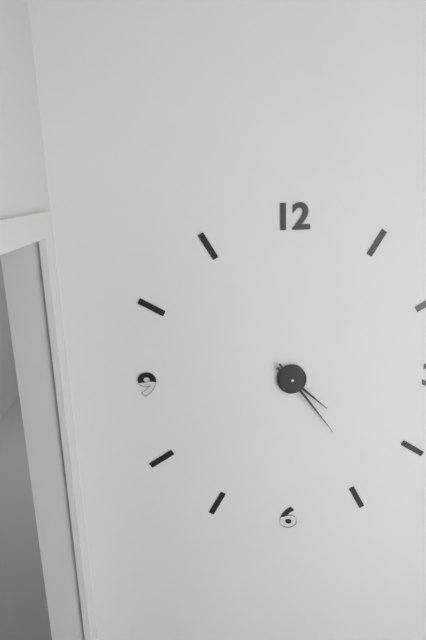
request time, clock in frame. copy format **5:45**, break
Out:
**4:24**
